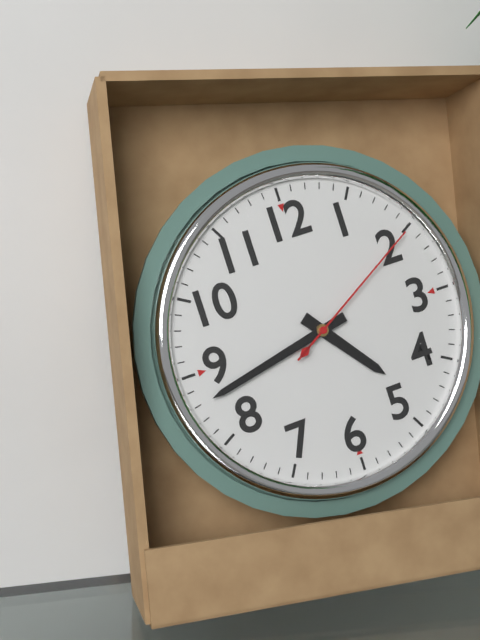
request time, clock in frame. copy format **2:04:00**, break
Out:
**4:43:10**
